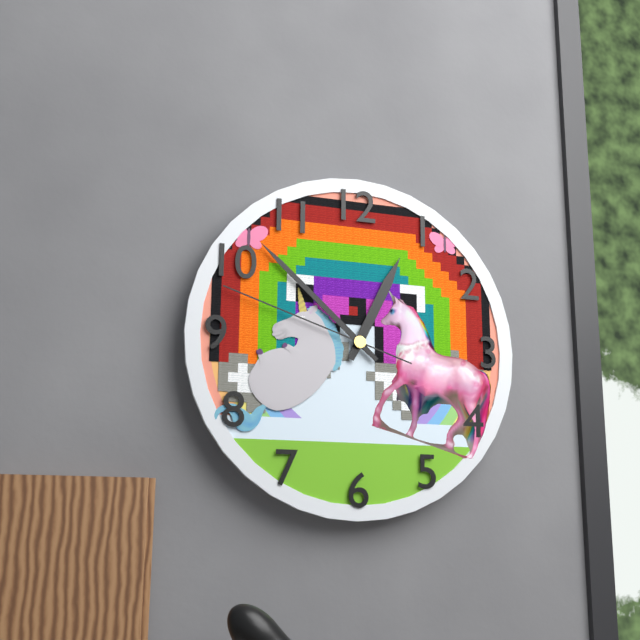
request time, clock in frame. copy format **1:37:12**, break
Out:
**12:52:48**
